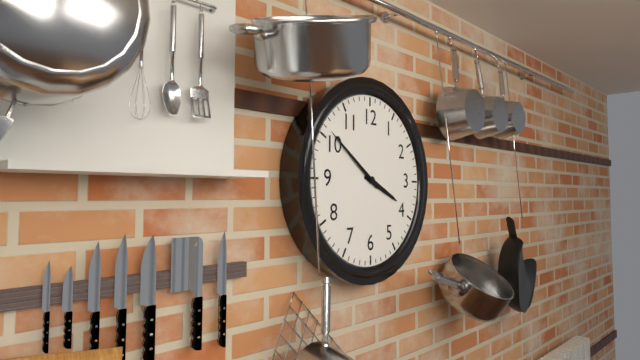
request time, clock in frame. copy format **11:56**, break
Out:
**3:51**
